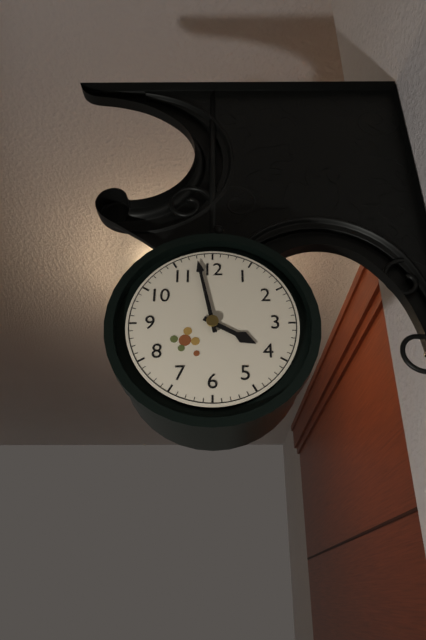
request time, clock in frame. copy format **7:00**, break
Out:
**3:58**
